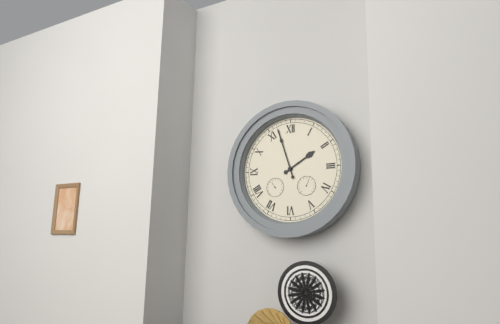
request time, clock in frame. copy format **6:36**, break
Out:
**1:57**
